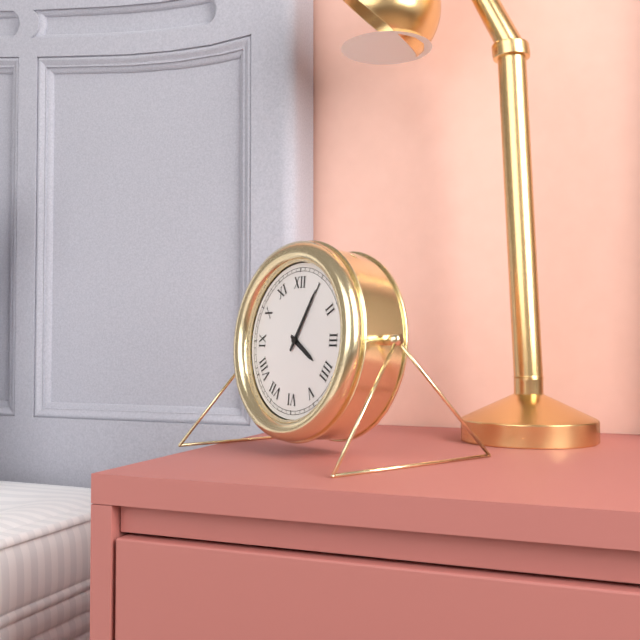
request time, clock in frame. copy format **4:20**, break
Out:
**4:05**
